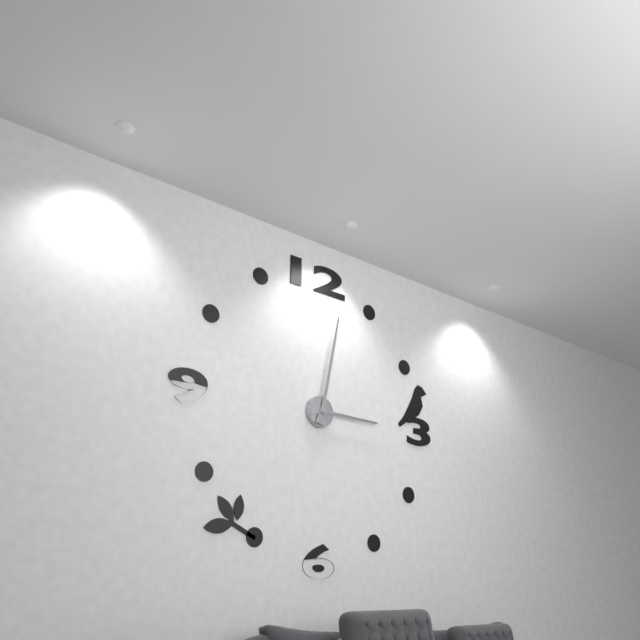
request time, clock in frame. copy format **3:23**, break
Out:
**3:02**
